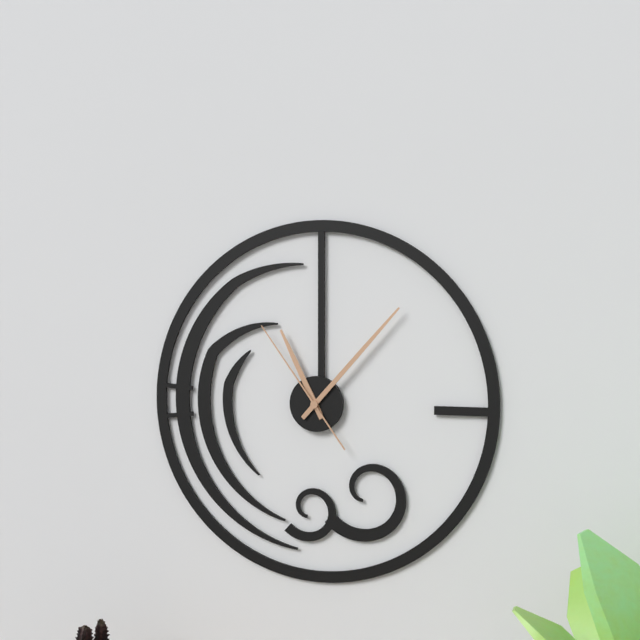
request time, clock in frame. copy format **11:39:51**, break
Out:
**11:07:54**
